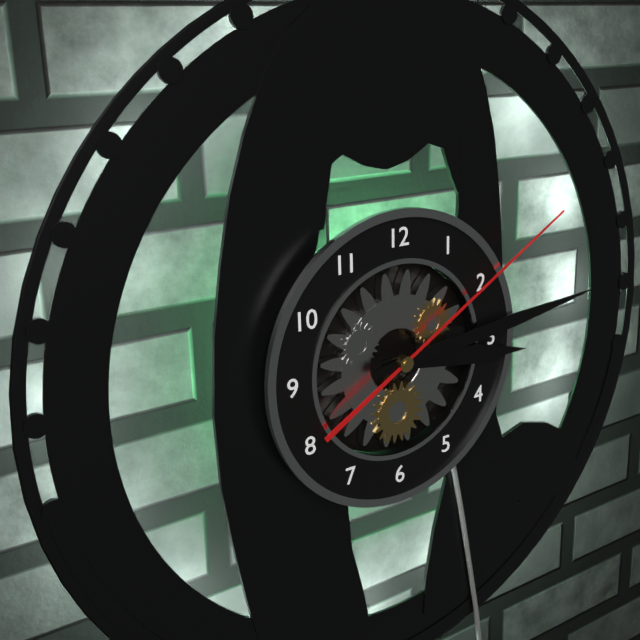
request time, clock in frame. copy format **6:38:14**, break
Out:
**3:14:10**
